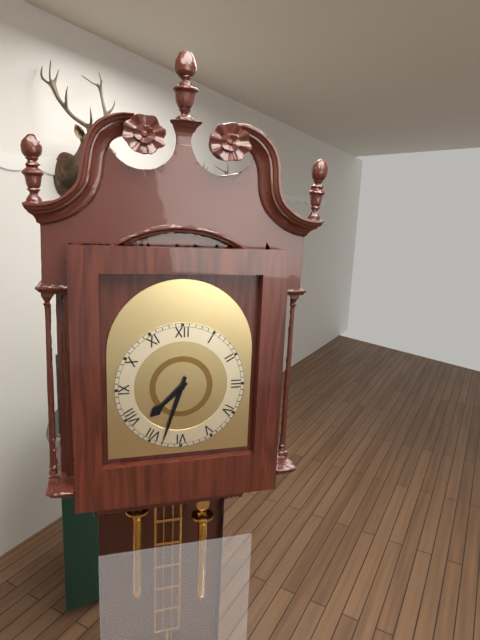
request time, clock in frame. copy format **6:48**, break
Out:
**7:33**
